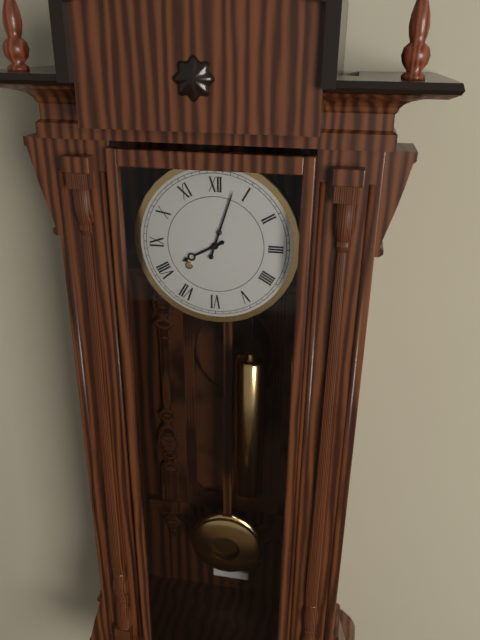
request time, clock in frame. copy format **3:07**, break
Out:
**8:03**
